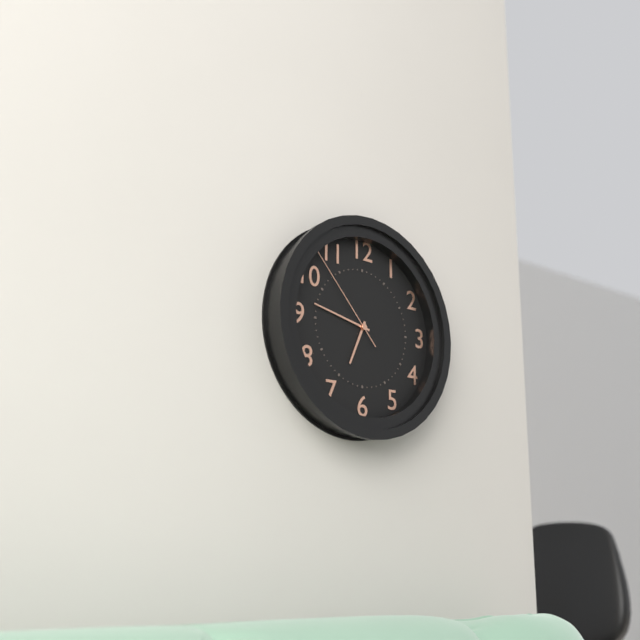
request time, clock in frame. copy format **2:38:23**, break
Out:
**6:47:53**
